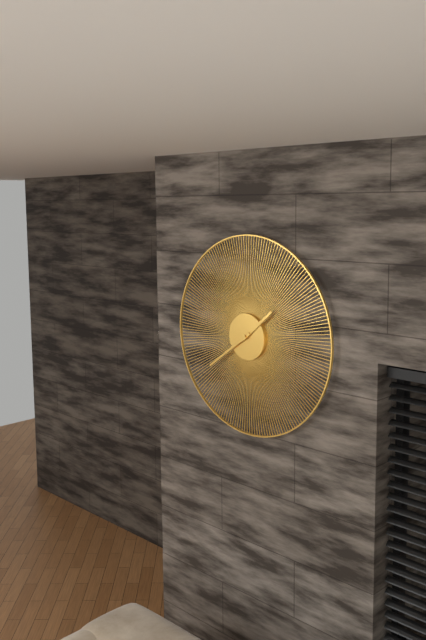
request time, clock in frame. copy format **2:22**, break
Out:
**1:39**
